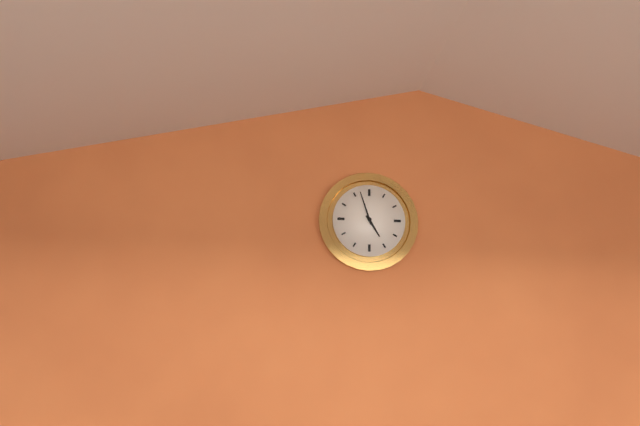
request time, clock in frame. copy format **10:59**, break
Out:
**4:57**
